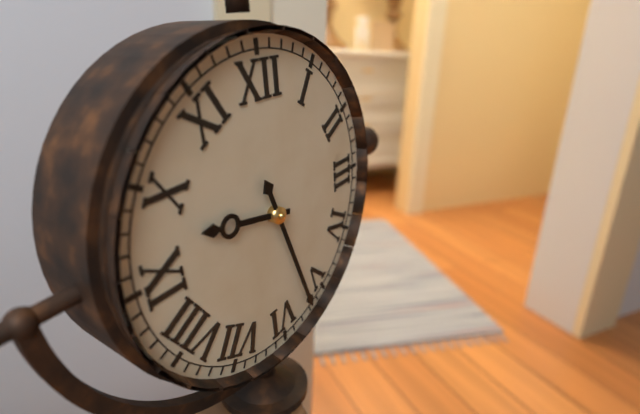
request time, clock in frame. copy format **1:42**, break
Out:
**9:27**
